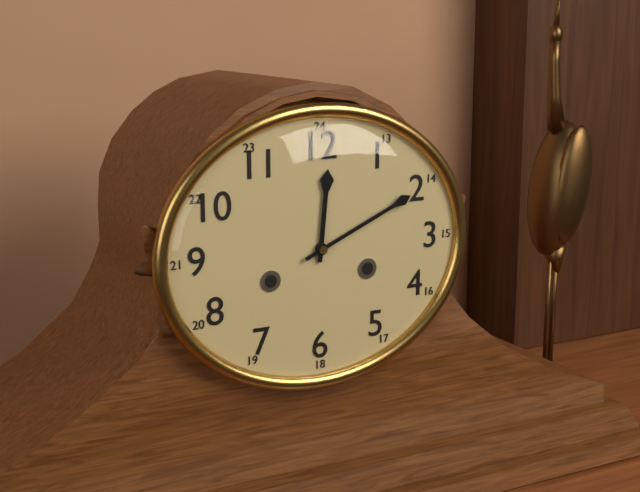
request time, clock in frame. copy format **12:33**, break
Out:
**12:11**
